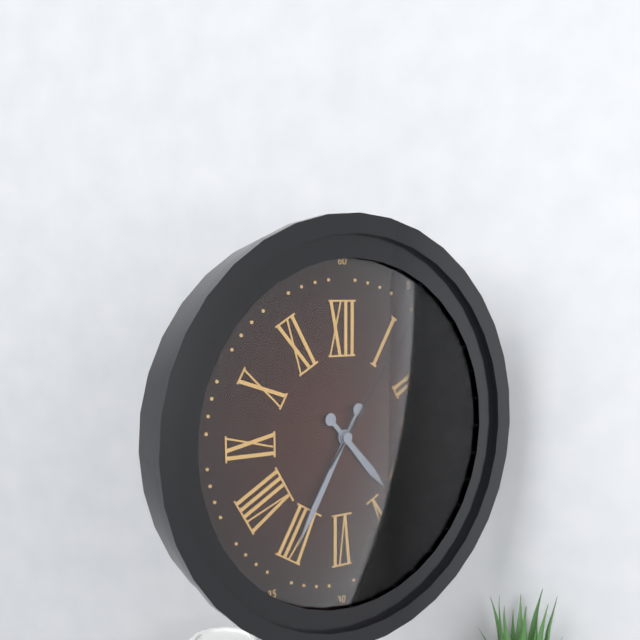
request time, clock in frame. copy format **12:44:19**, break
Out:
**4:35:06**
